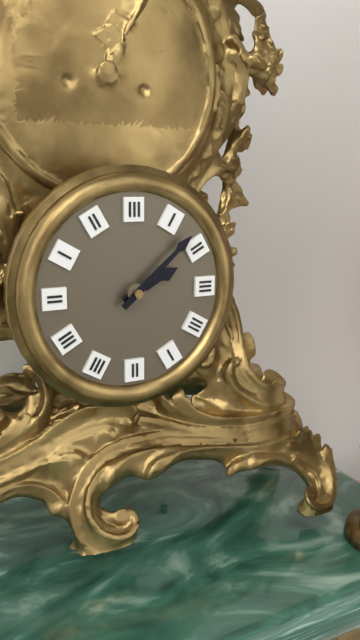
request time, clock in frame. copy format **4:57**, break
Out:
**2:08**
